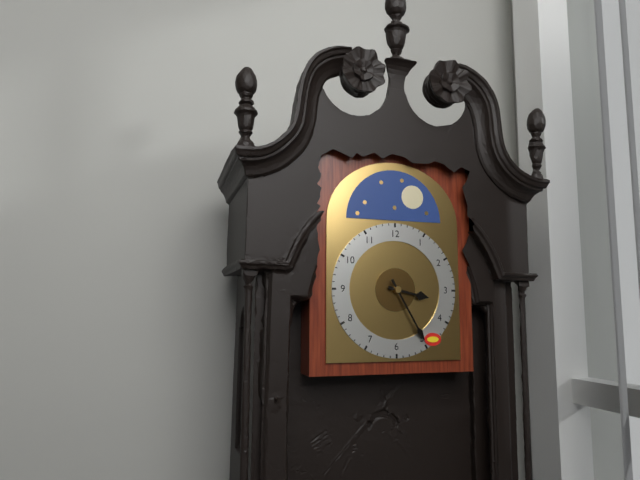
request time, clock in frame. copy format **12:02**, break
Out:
**3:25**
